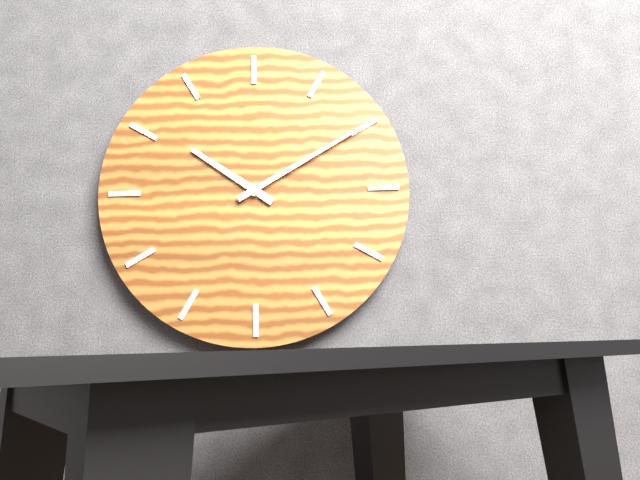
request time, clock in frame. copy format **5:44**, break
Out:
**10:10**
